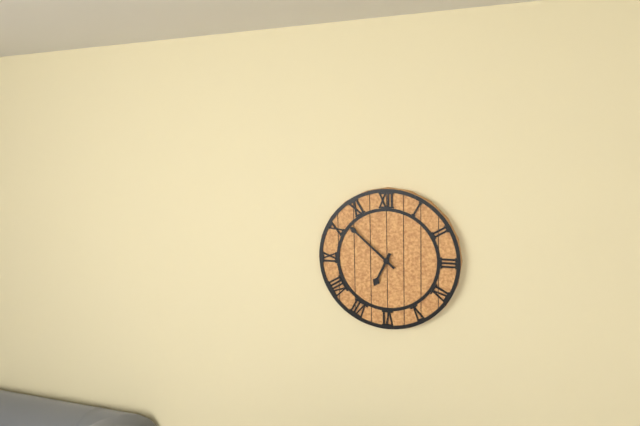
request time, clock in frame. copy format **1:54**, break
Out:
**6:52**
